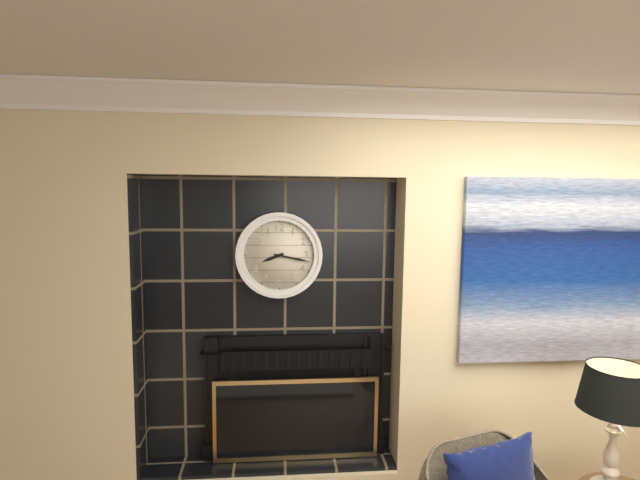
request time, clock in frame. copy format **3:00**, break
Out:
**8:17**
